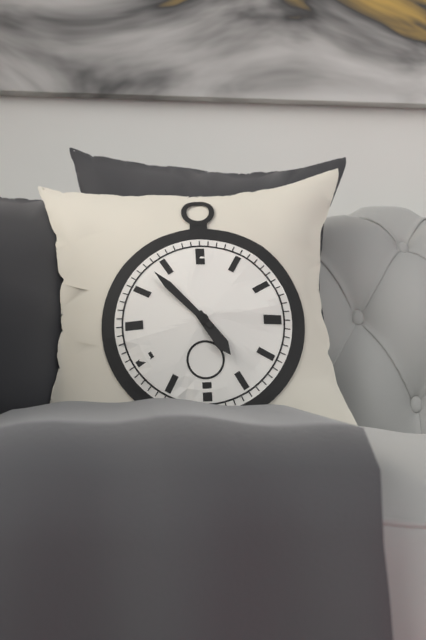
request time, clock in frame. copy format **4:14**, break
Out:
**4:53**
